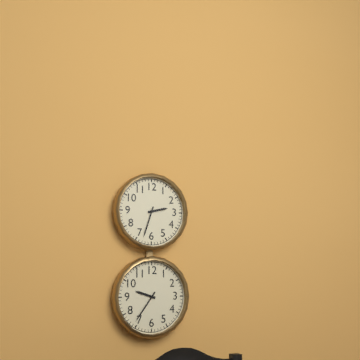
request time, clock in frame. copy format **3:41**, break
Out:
**2:33**
